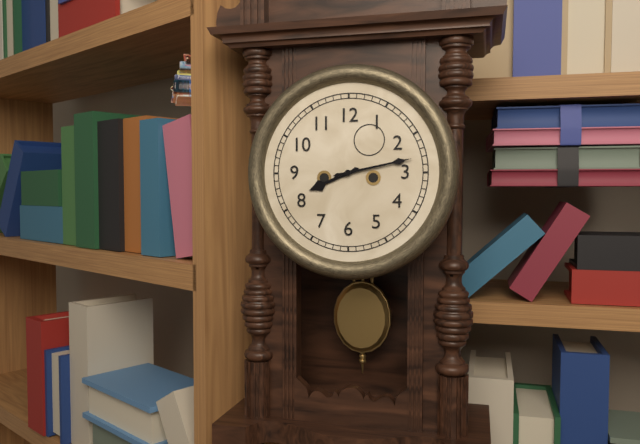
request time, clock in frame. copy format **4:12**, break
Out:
**8:13**
